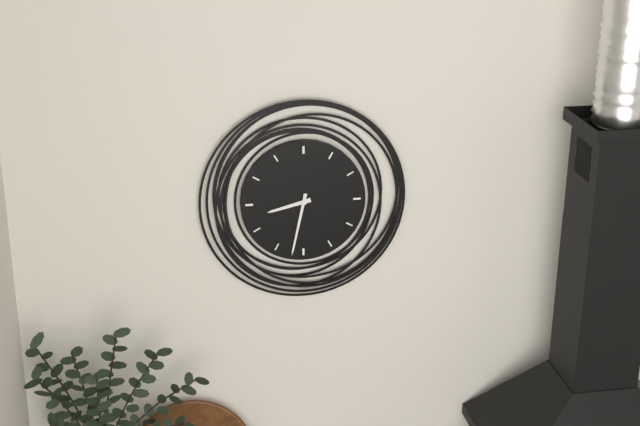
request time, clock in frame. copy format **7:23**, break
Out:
**8:32**
